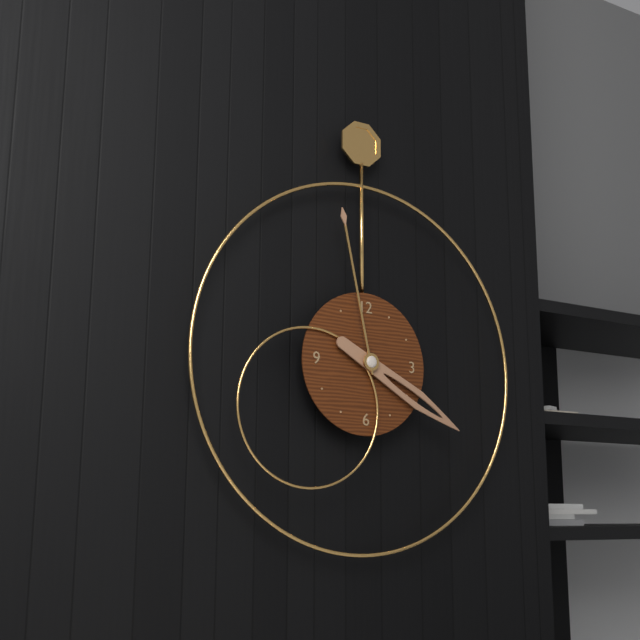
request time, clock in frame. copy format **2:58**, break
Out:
**3:58**
